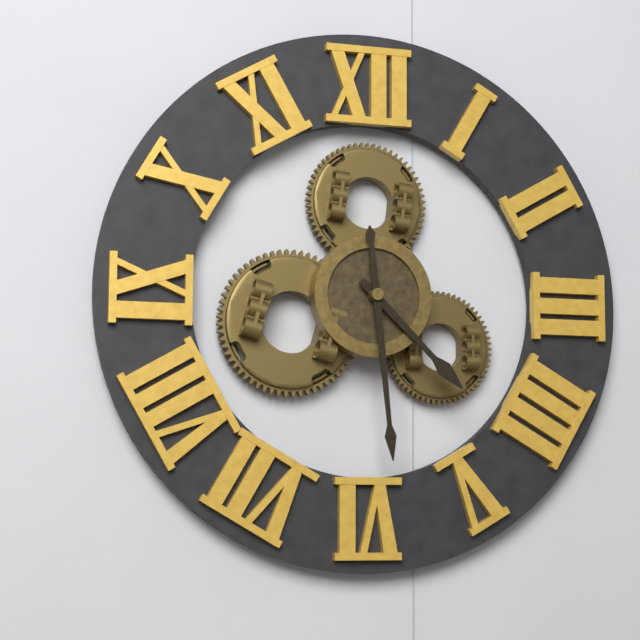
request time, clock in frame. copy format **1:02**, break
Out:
**4:29**
